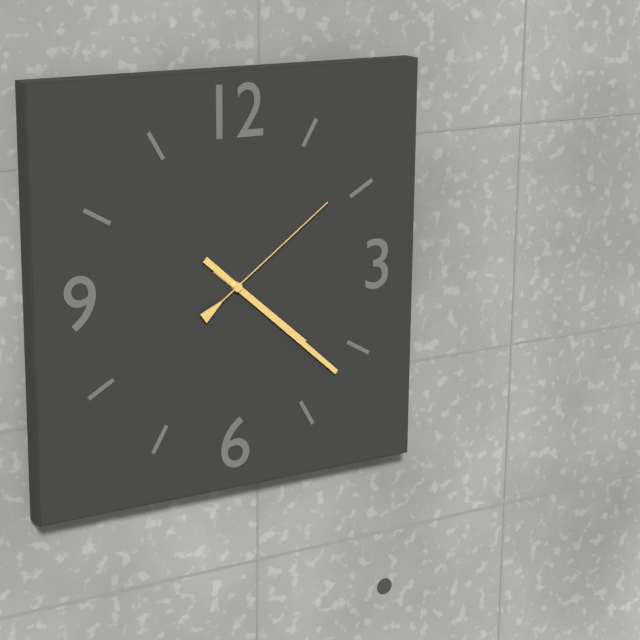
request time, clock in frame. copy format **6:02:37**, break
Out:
**4:22:09**
